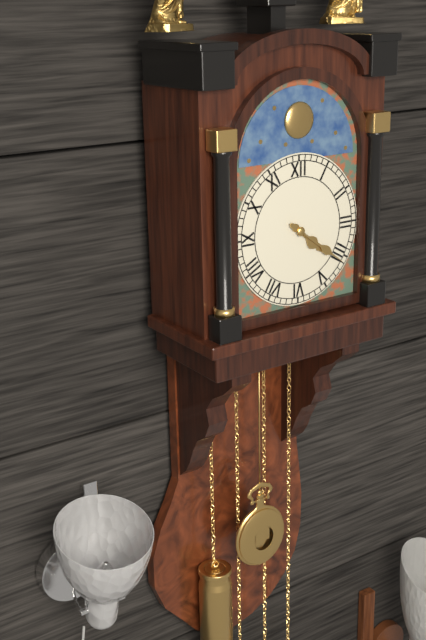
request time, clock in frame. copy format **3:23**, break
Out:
**4:21**
